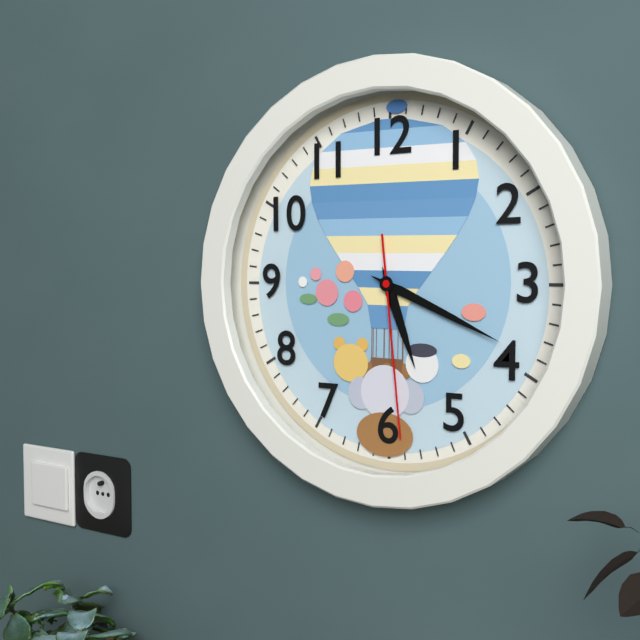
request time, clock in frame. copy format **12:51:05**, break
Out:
**5:19:29**
